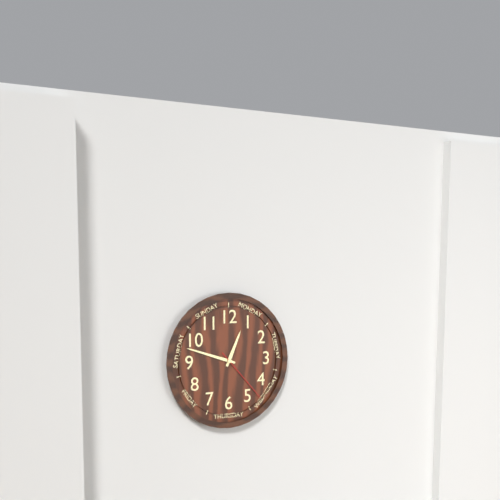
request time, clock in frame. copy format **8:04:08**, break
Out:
**12:48:23**
